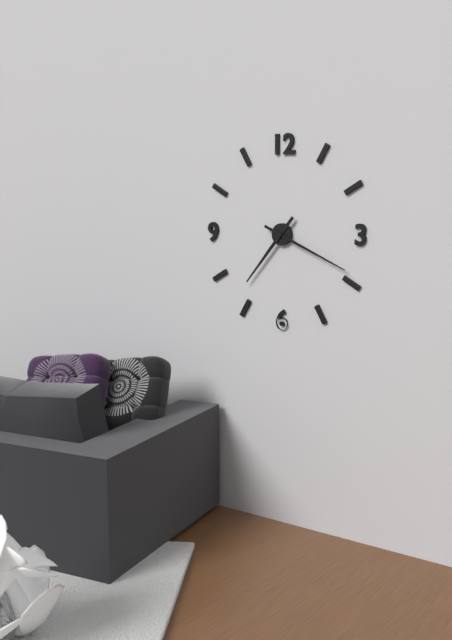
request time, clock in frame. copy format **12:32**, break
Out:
**7:19**
